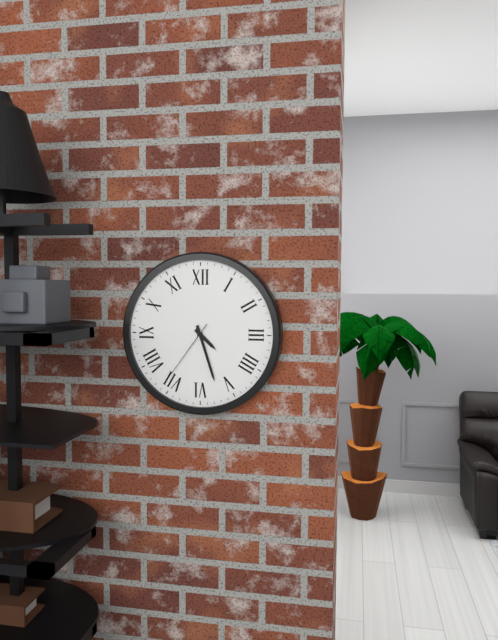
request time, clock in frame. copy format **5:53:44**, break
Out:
**4:27:36**
